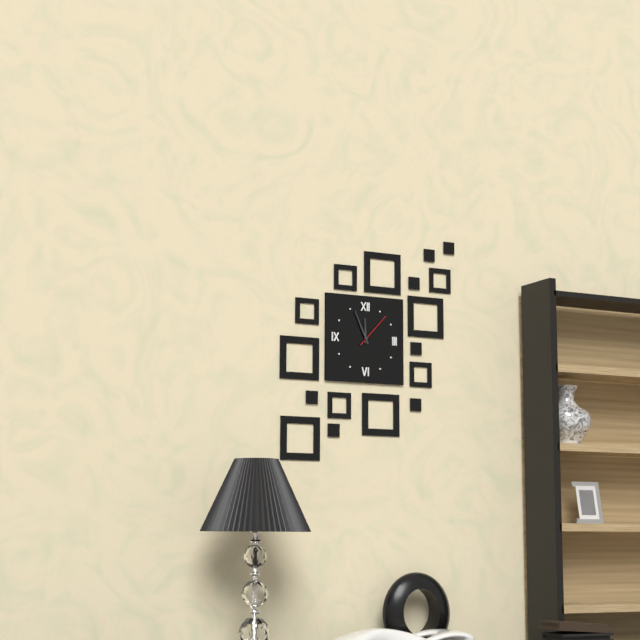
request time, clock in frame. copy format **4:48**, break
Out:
**11:56**
